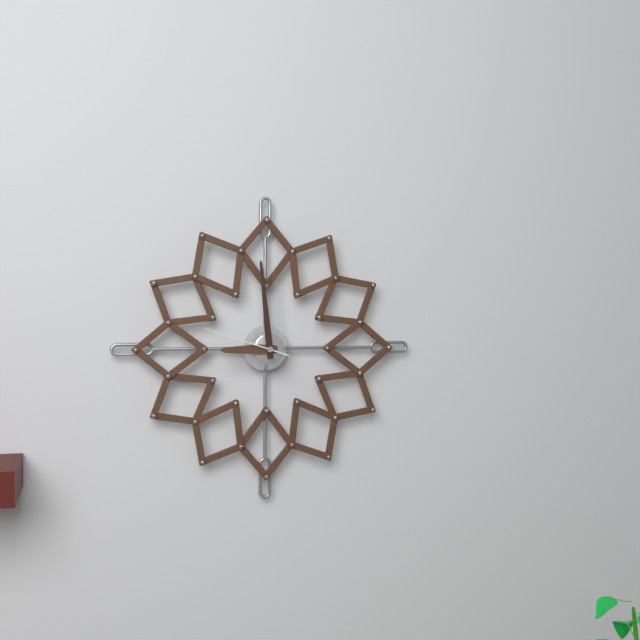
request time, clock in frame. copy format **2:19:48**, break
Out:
**8:59:48**
